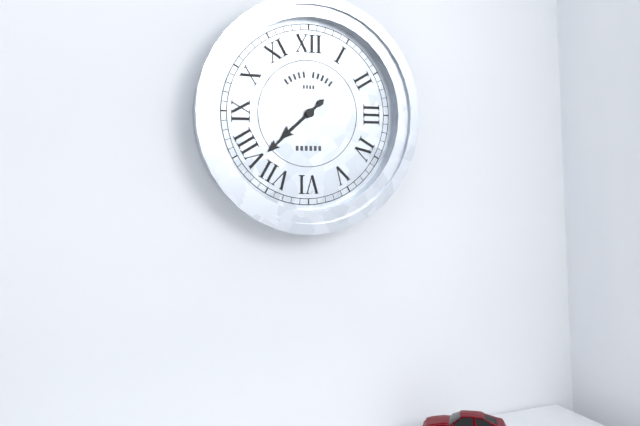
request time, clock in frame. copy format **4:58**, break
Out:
**7:38**
